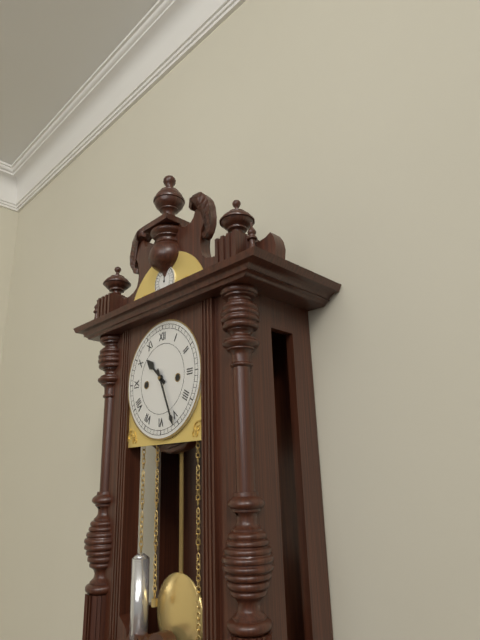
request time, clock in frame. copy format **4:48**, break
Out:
**10:26**
